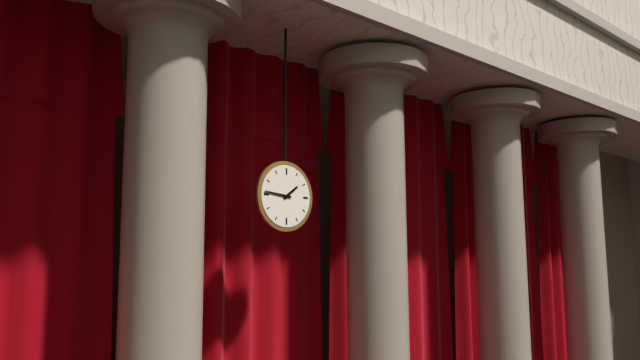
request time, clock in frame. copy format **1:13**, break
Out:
**1:46**
